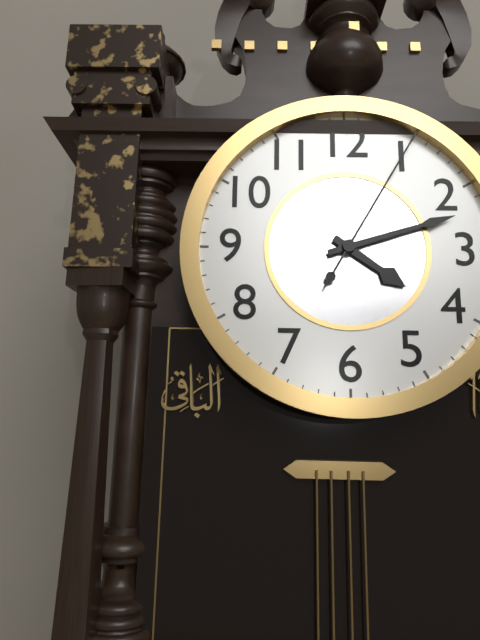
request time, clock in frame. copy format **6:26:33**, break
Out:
**4:12:05**
